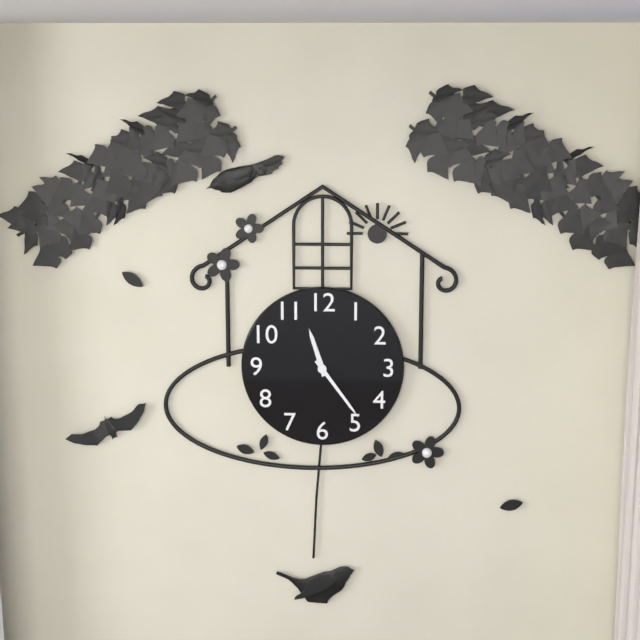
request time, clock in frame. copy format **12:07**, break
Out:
**11:24**
